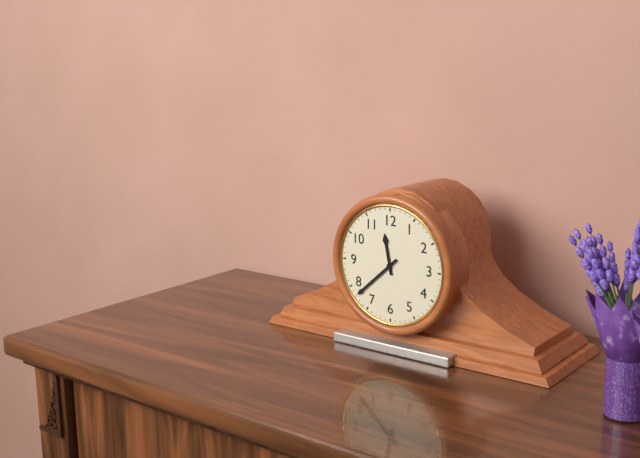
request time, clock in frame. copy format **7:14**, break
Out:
**11:38**
